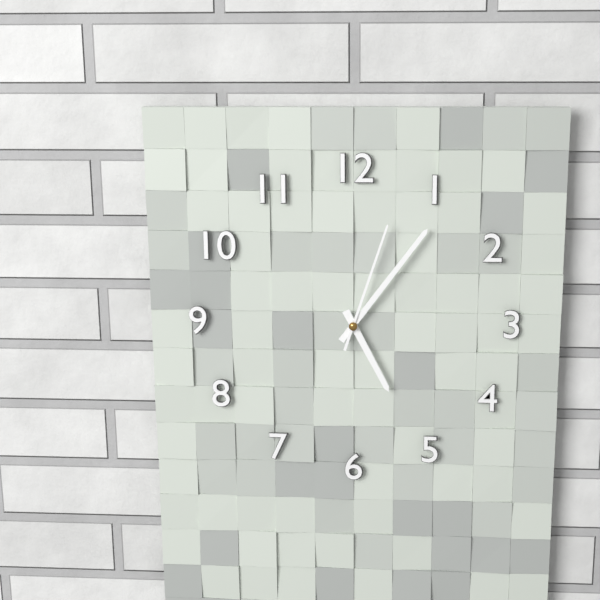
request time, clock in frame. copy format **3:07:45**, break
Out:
**5:06:03**
